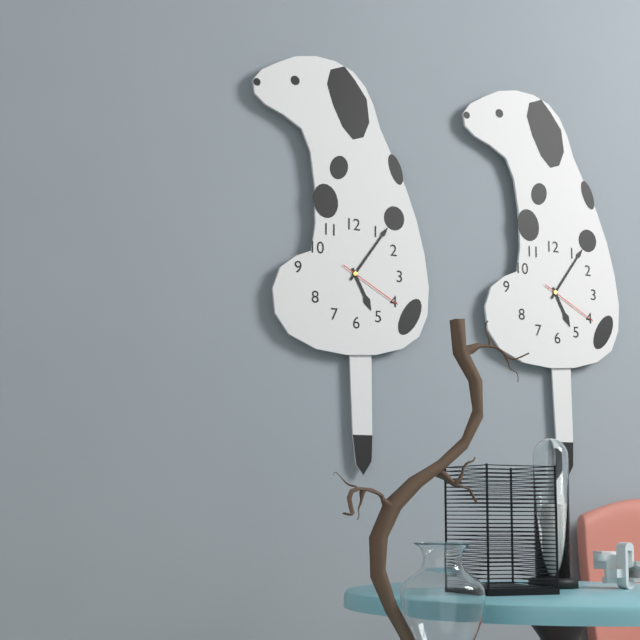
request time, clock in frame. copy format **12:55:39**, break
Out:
**5:06:20**
